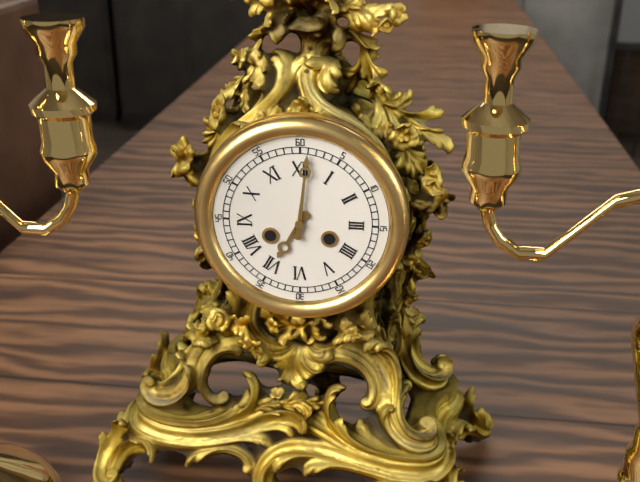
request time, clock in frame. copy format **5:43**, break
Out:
**7:01**
